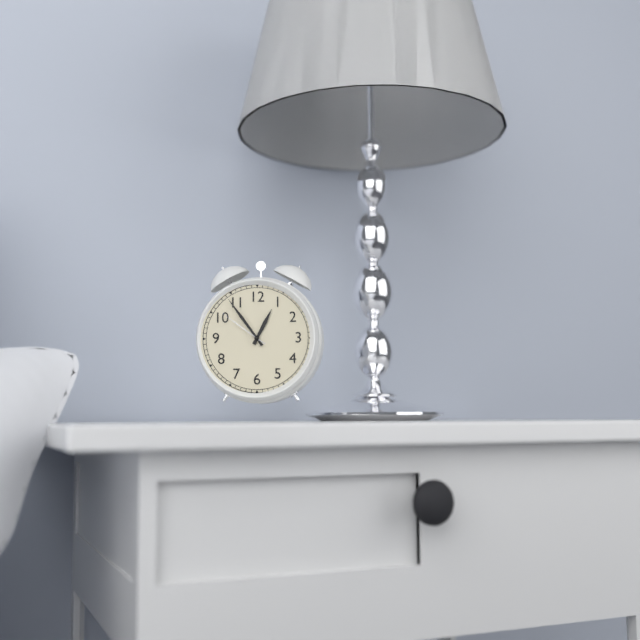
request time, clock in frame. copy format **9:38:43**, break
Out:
**12:54:51**
